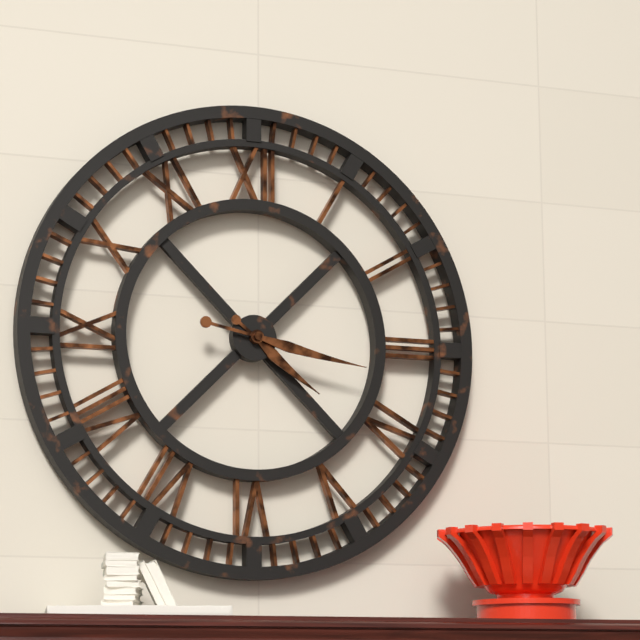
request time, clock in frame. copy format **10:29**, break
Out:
**4:17**
